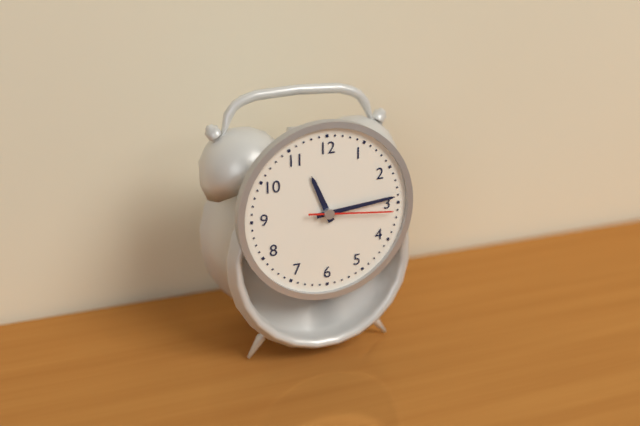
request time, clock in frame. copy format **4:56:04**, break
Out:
**11:14:16**
